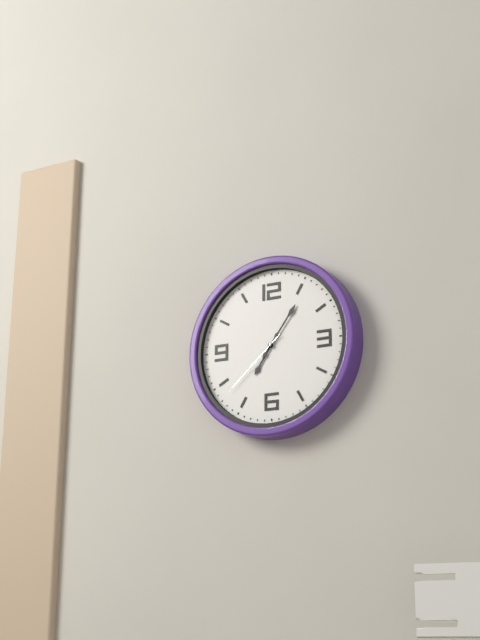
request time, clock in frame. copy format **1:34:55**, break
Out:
**7:06:38**
